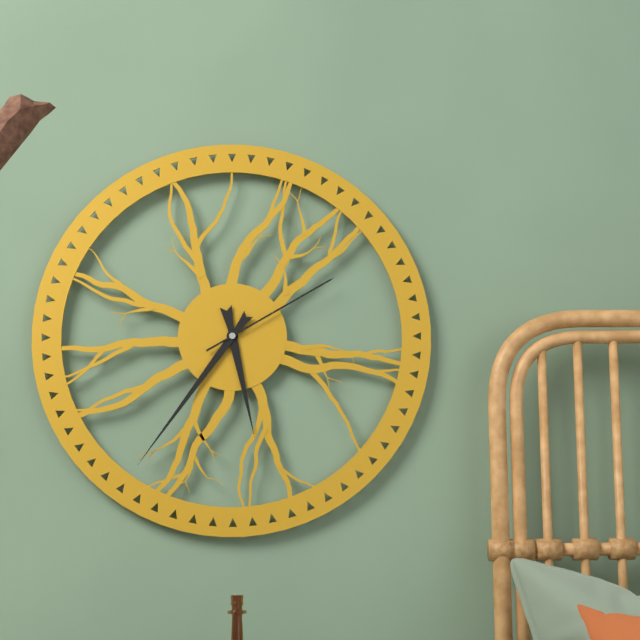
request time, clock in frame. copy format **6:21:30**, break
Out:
**5:36:10**
